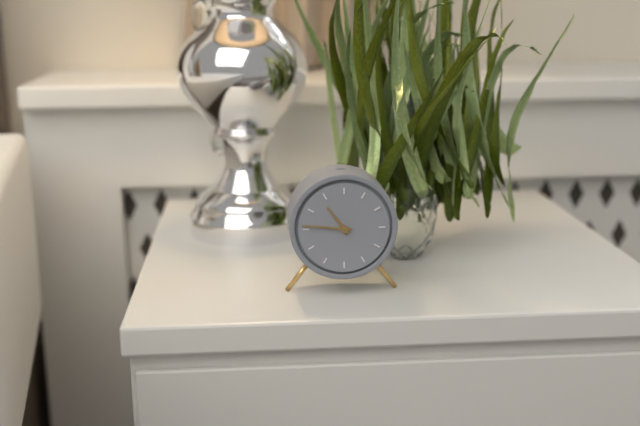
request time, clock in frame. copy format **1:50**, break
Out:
**10:46**
